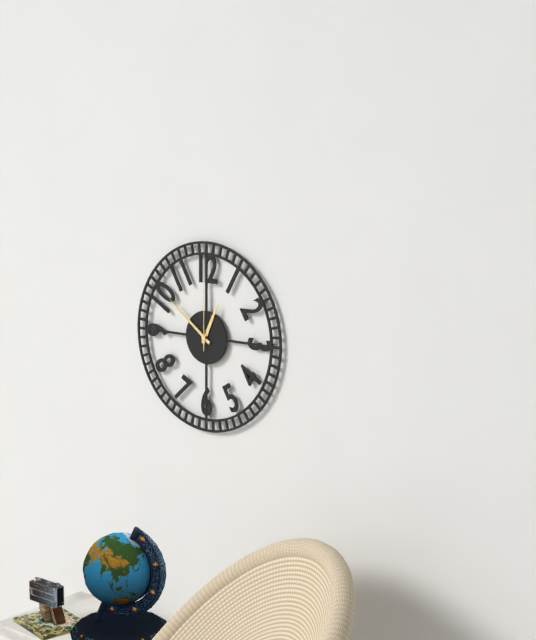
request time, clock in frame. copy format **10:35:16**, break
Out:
**12:51:00**
